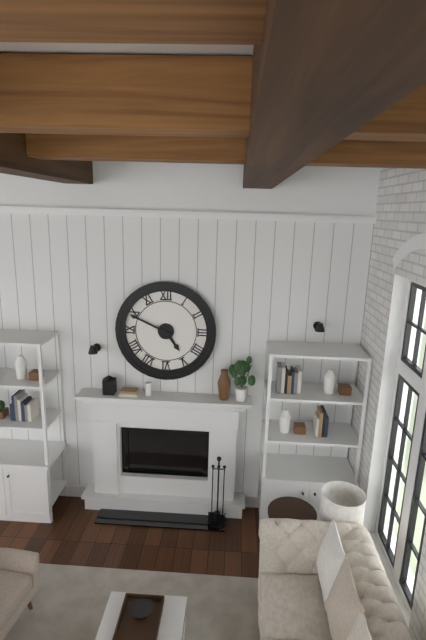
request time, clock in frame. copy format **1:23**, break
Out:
**4:49**
